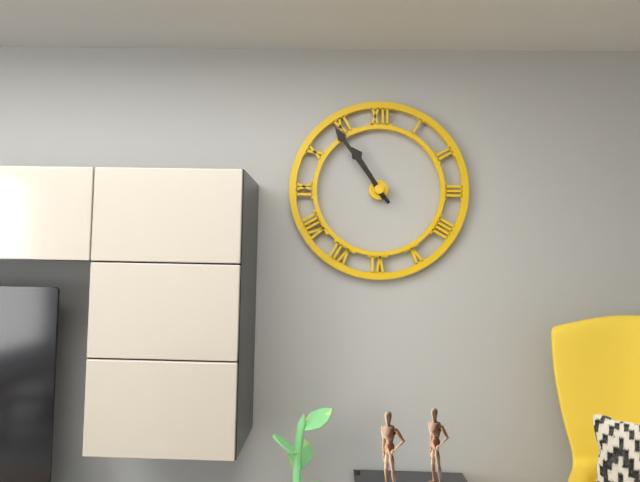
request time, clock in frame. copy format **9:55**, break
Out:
**10:54**
